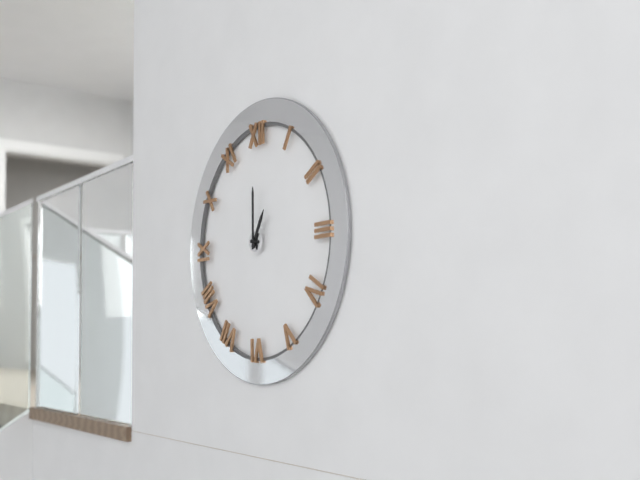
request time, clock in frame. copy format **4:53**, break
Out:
**1:00**
